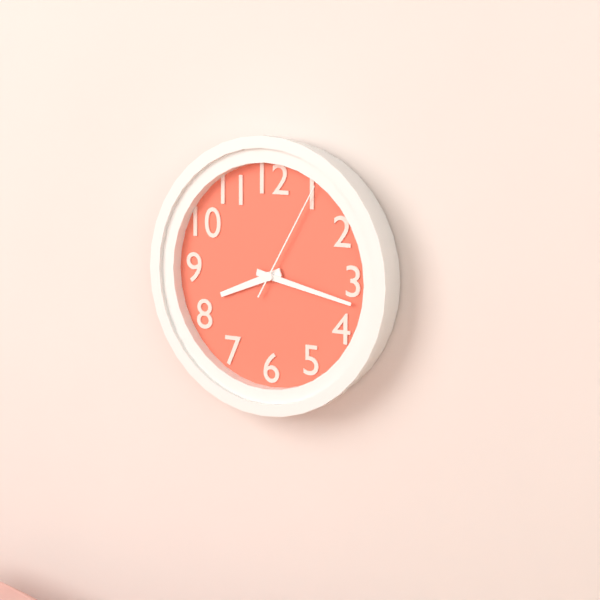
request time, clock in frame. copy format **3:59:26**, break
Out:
**8:17:05**
